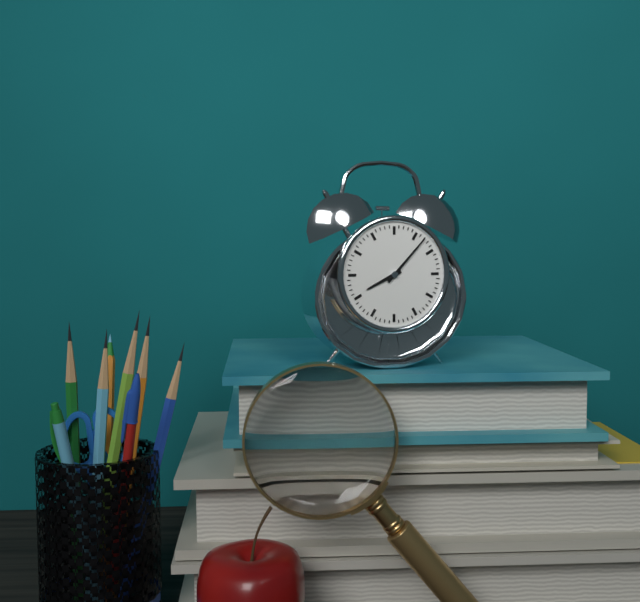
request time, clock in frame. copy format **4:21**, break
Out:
**8:07**
